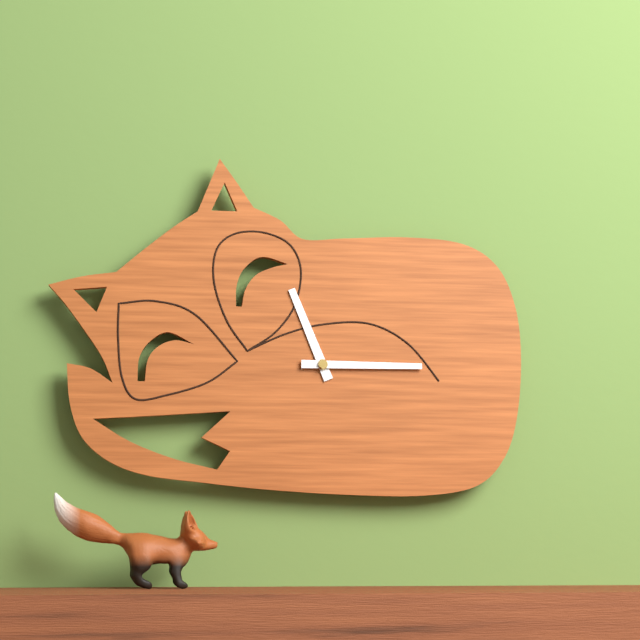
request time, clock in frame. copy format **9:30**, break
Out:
**11:15**
